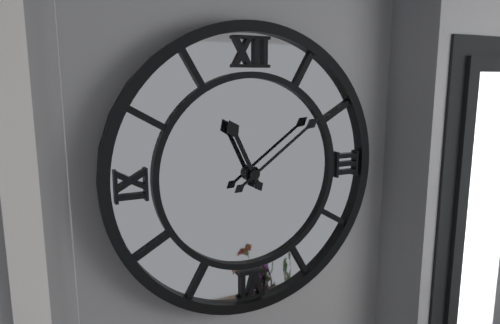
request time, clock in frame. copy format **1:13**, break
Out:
**11:09**
